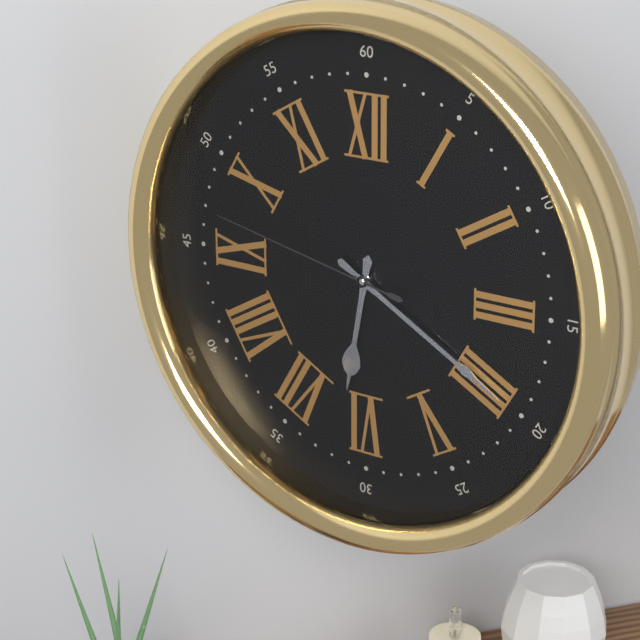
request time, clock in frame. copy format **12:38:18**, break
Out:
**6:20:47**
